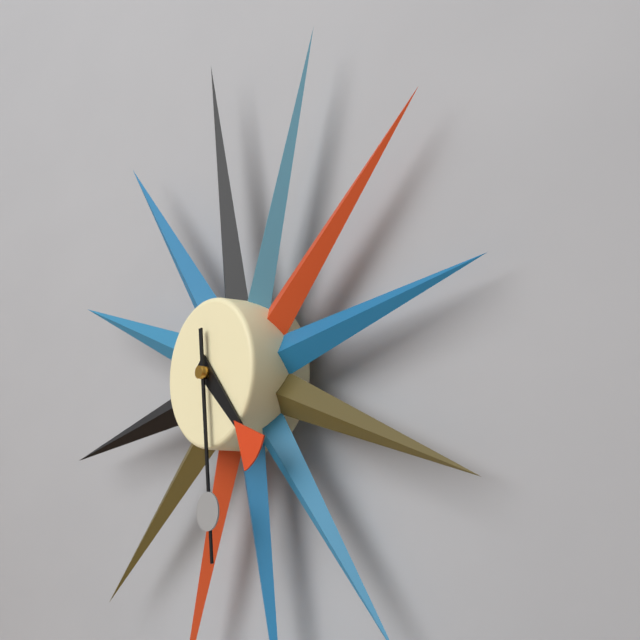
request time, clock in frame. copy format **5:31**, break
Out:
**4:29**
